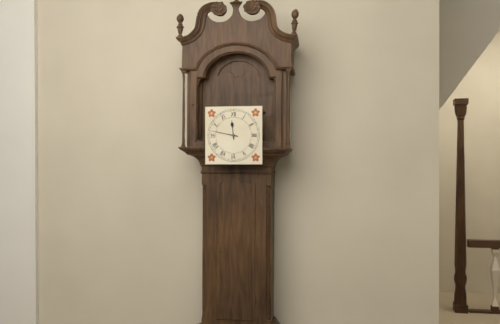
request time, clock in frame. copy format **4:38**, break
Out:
**11:47**
